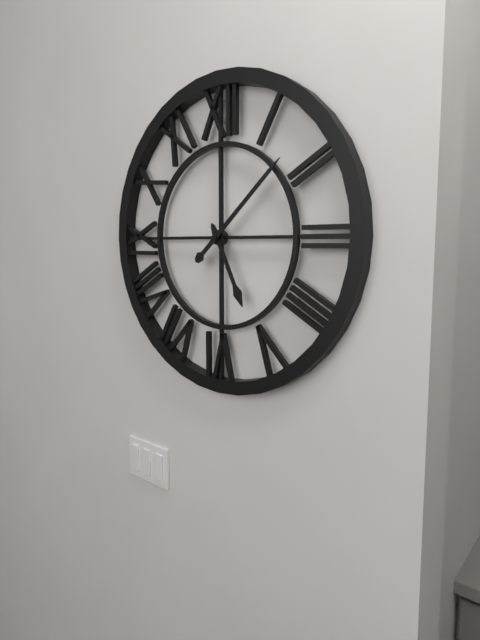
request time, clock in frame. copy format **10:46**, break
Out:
**5:08**
